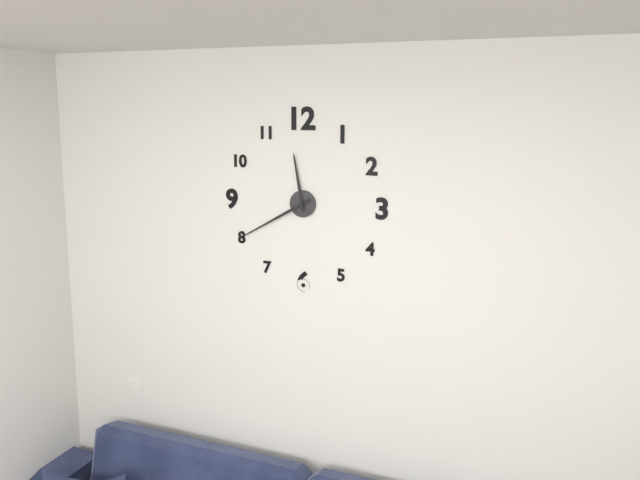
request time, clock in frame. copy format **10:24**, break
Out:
**11:40**
